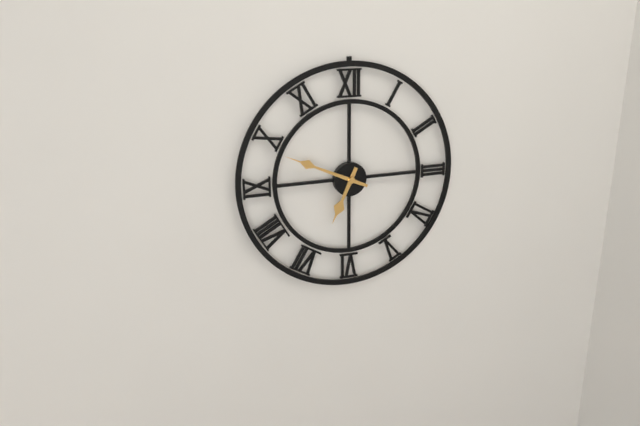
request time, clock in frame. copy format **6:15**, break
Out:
**6:49**
